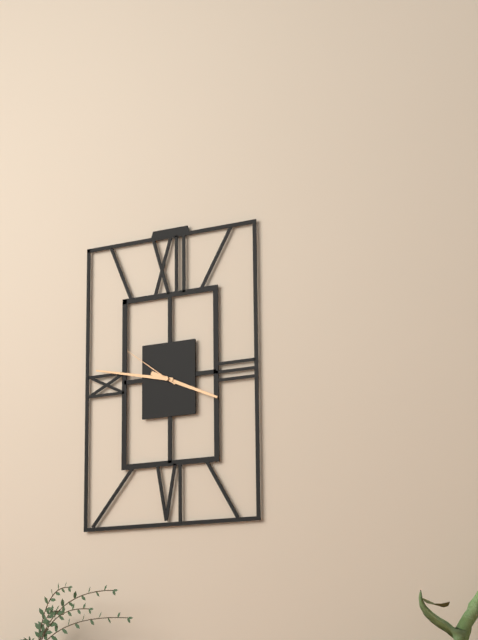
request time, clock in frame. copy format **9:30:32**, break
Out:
**3:47:51**
